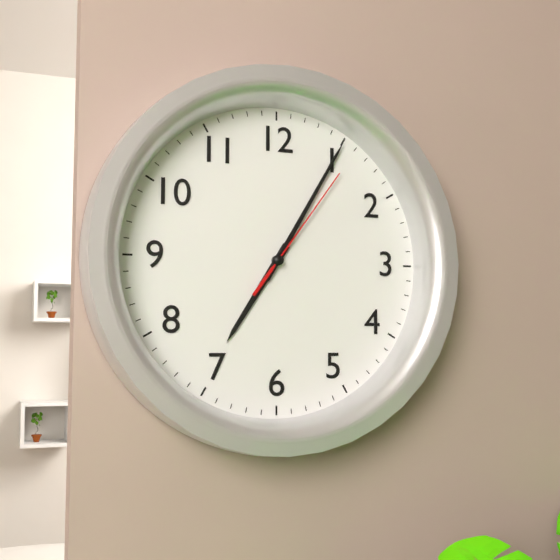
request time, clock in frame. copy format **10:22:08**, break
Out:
**7:05:06**
